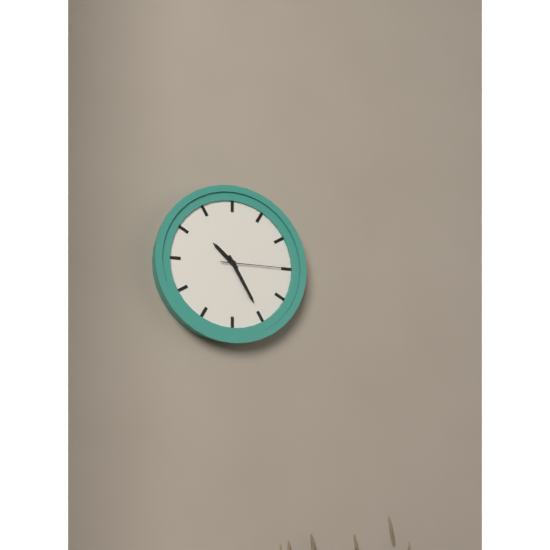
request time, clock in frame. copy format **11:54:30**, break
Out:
**10:25:15**
